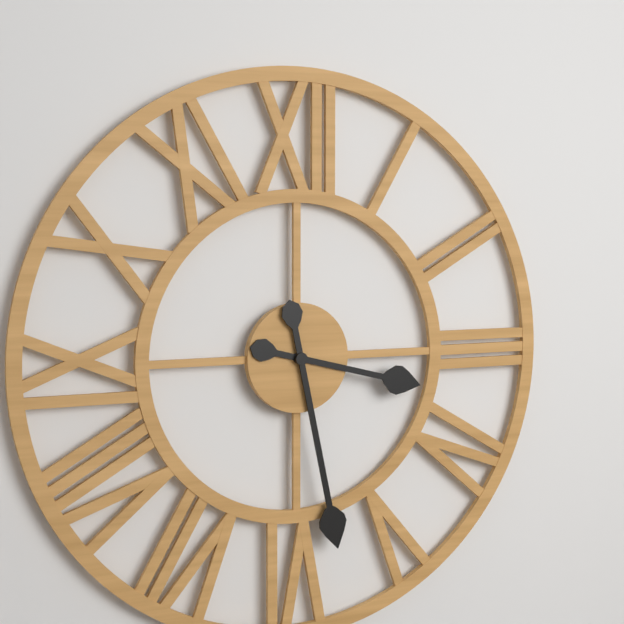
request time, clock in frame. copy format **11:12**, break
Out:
**3:28**
